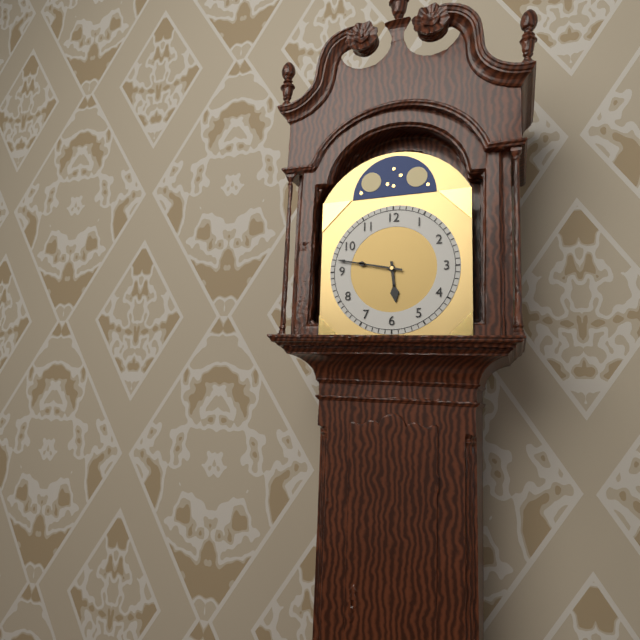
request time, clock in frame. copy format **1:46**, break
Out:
**5:47**
